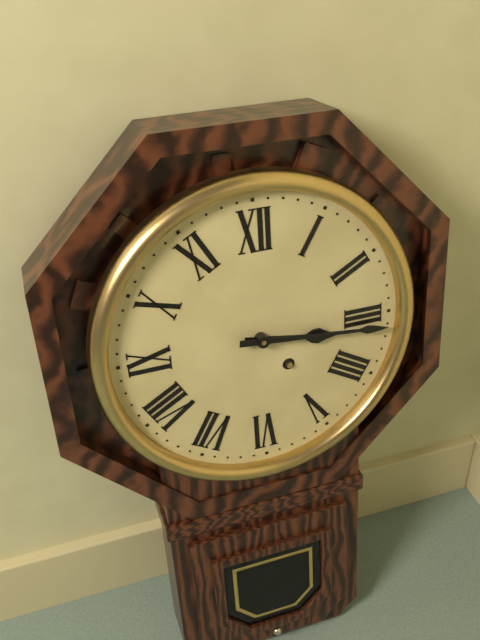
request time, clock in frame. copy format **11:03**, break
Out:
**3:16**
